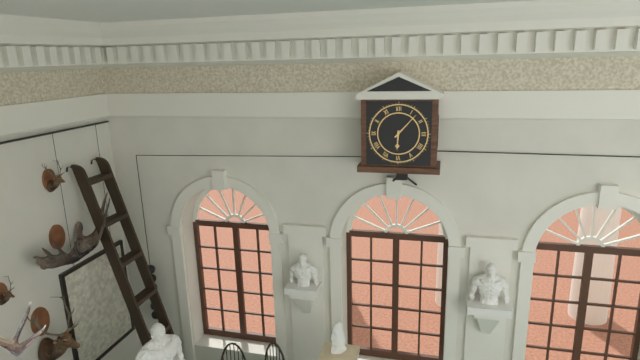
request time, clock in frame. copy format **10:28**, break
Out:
**6:07**
